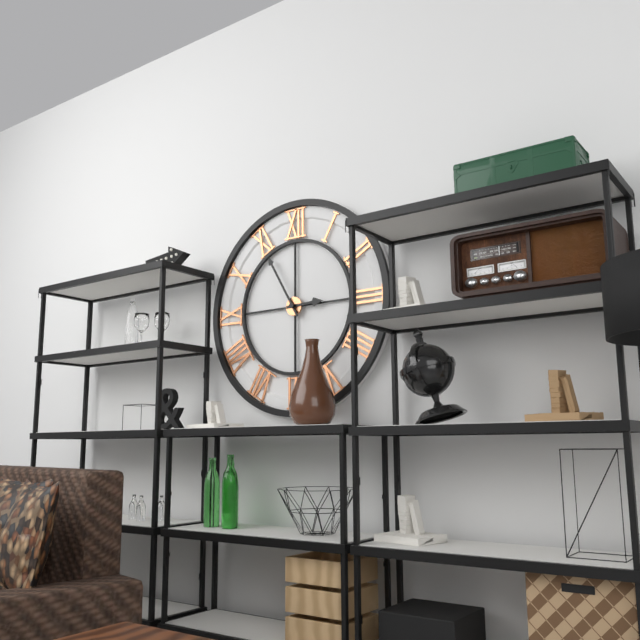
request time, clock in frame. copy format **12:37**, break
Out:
**2:55**
